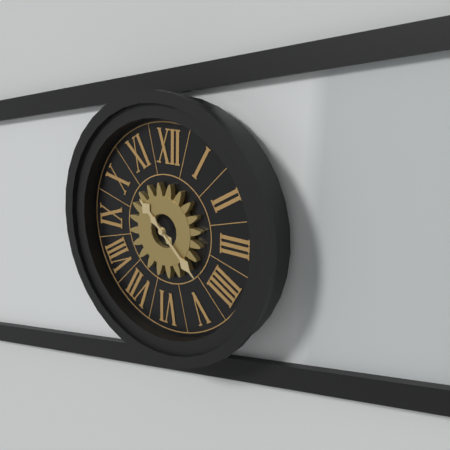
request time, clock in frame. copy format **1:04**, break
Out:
**10:22**
